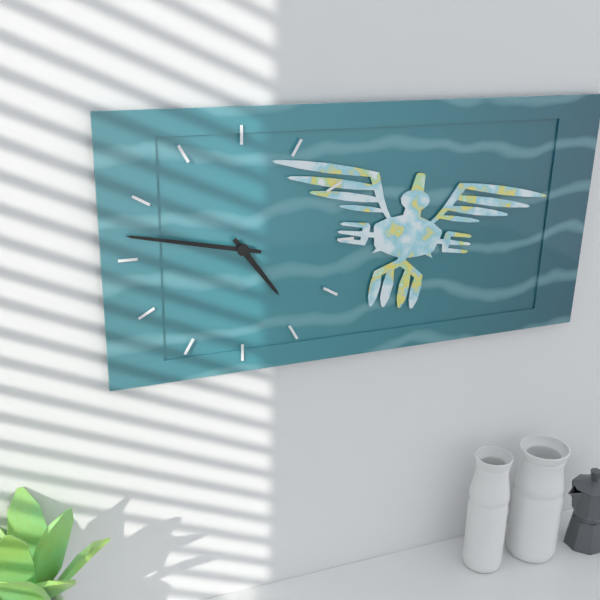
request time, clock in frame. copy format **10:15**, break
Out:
**4:47**
